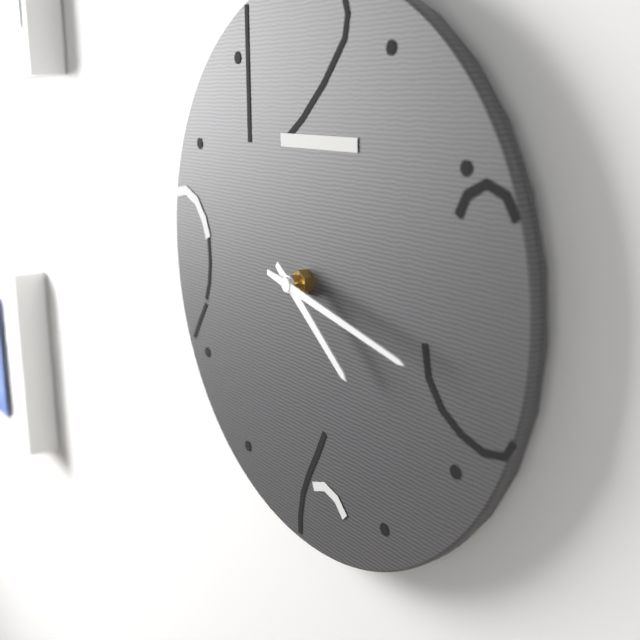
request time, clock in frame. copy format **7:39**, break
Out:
**4:17**
